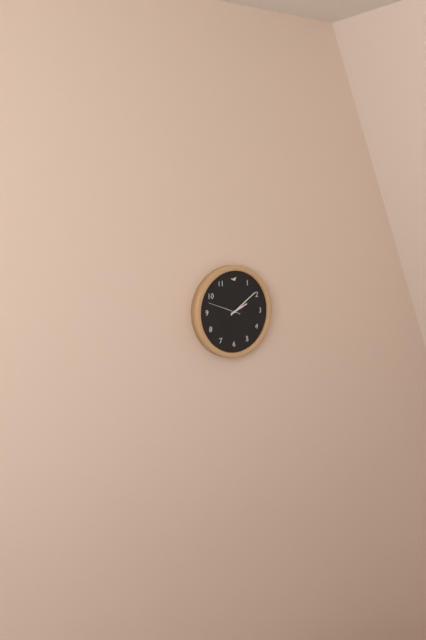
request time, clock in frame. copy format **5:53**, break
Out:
**2:09**
